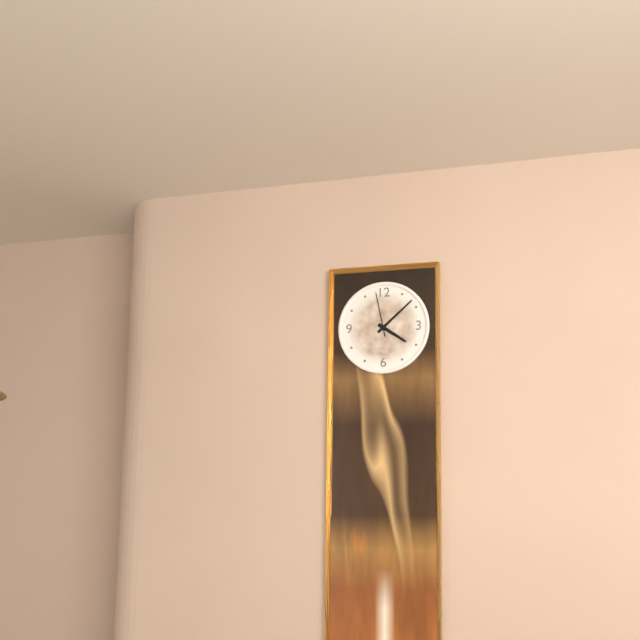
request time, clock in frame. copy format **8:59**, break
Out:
**4:08**
